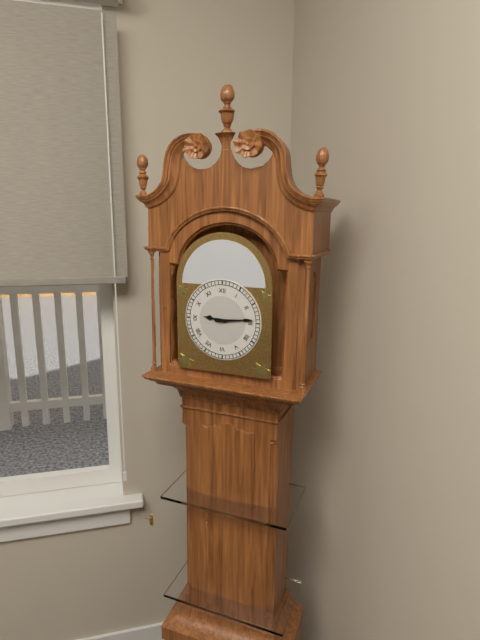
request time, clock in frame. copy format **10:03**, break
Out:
**9:14**
